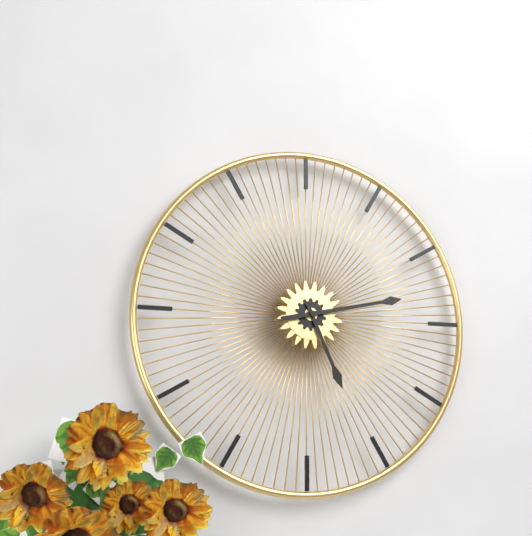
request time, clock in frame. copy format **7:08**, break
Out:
**5:13**
